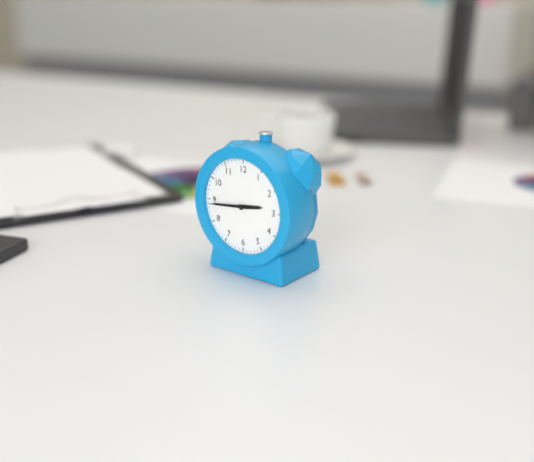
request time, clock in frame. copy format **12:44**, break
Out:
**2:44**
